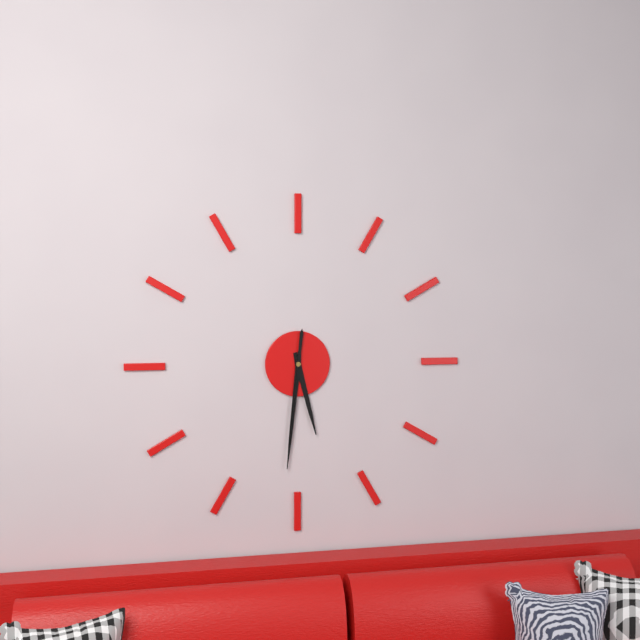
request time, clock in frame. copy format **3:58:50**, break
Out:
**5:31:31**
